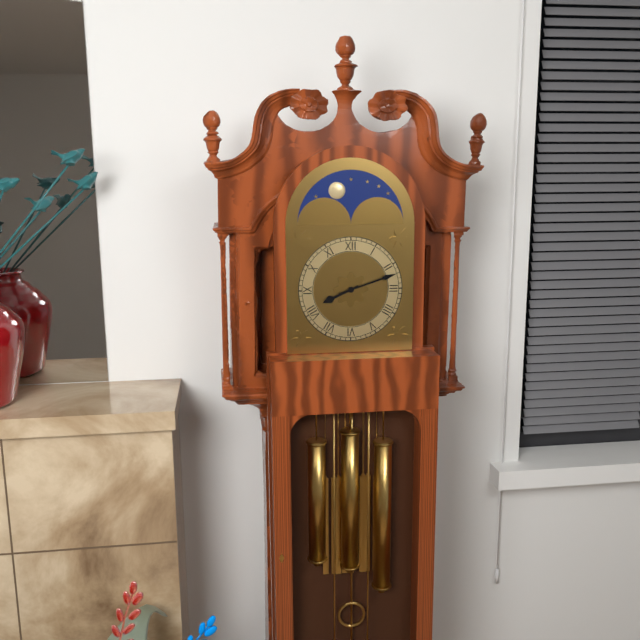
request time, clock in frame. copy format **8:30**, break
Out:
**8:12**
